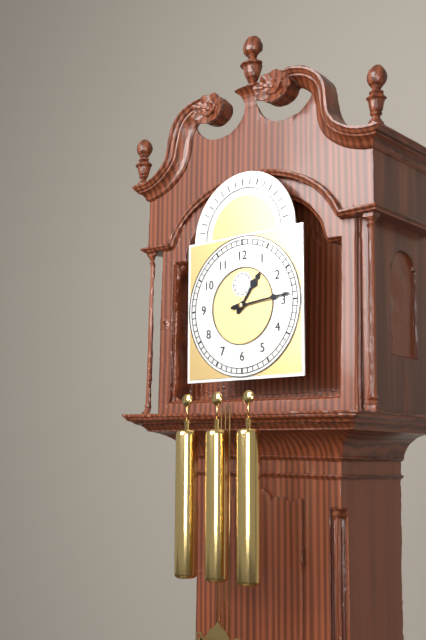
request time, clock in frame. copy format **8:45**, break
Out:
**1:14**
